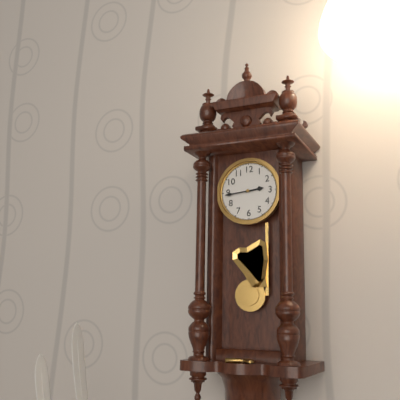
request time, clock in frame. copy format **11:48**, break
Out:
**2:44**
